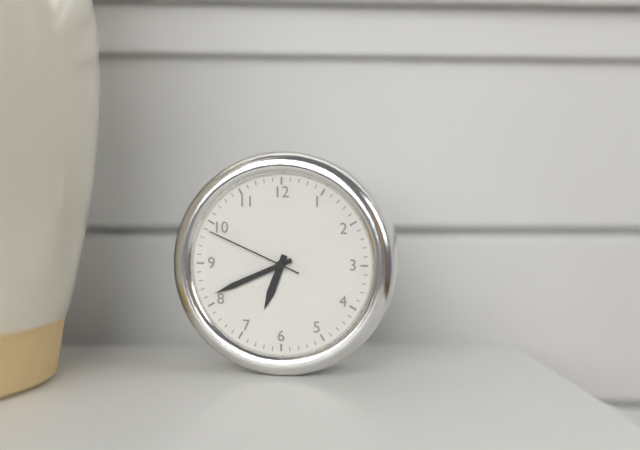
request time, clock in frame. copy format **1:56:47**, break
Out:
**6:41:49**
